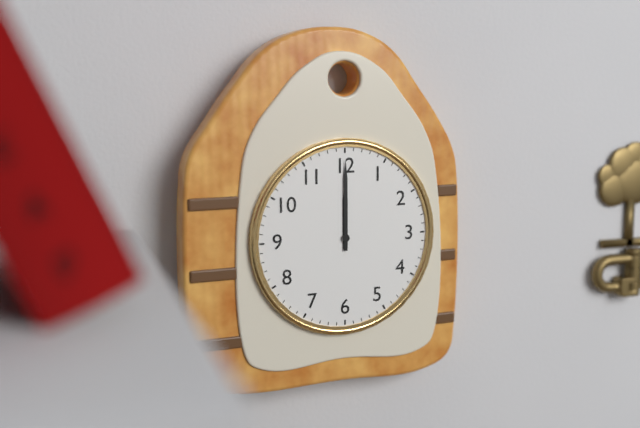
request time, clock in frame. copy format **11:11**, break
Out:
**12:00**
